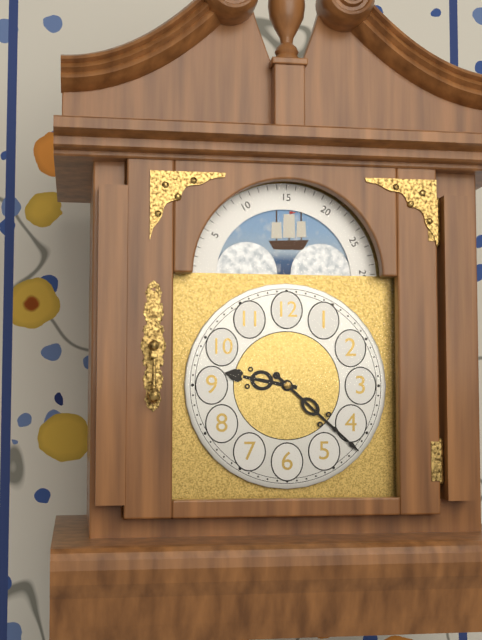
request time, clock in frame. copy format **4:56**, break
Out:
**9:22**
